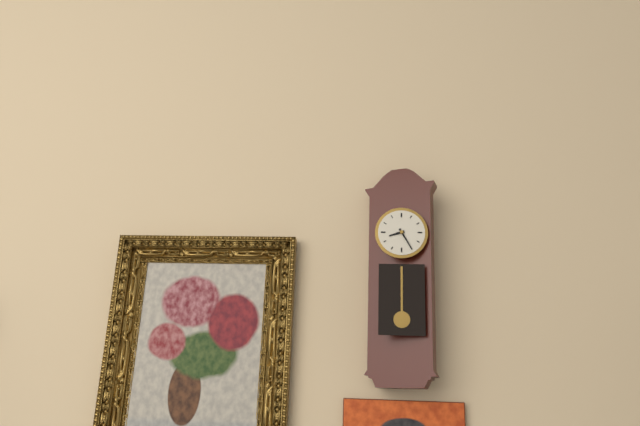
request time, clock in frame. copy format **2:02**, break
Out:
**8:25**
